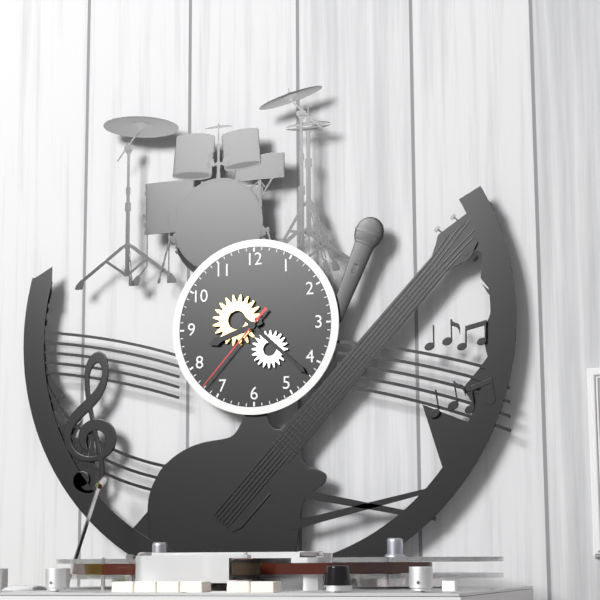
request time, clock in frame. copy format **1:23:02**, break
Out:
**8:22:37**
